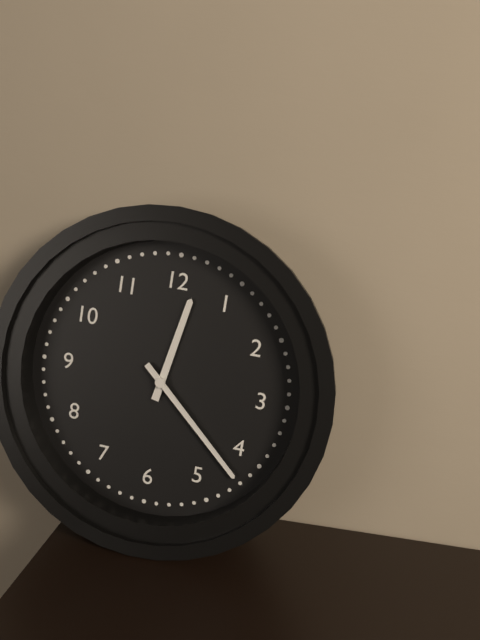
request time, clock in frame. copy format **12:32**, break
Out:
**12:22**
